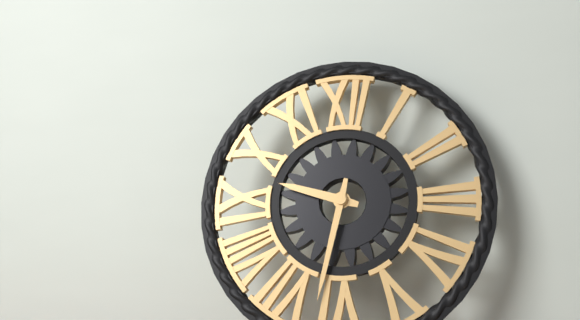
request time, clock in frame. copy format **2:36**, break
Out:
**9:32**
